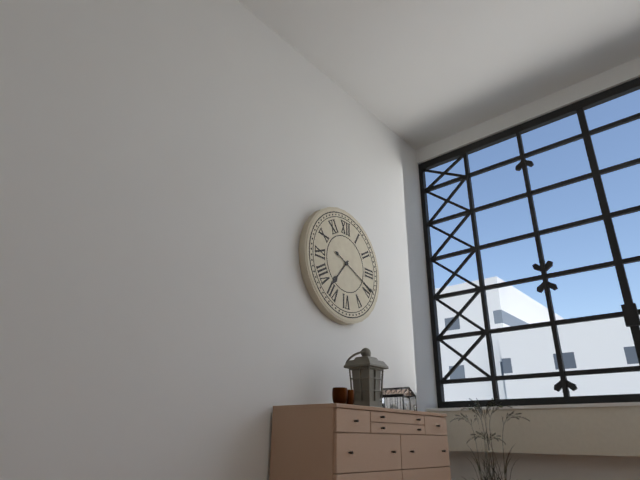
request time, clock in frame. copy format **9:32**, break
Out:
**7:19**
